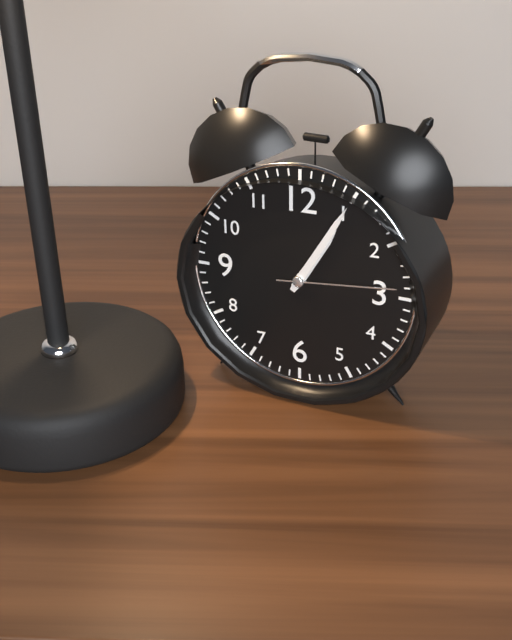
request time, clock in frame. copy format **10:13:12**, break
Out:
**1:05:14**
